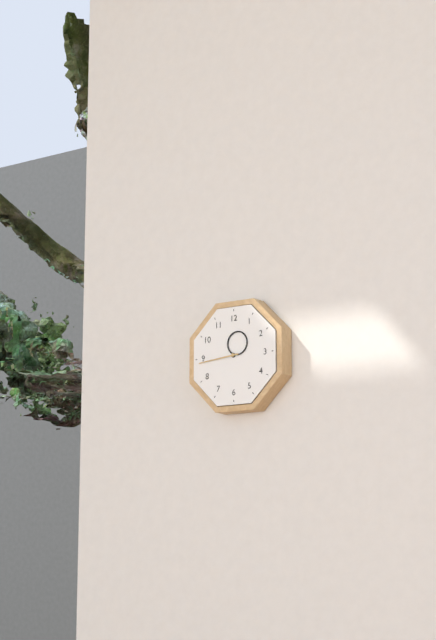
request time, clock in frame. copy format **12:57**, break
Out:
**12:44**
